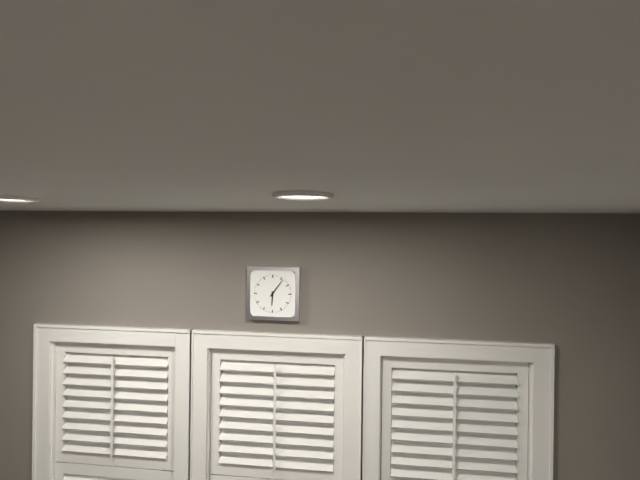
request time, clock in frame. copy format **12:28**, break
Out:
**6:06**
